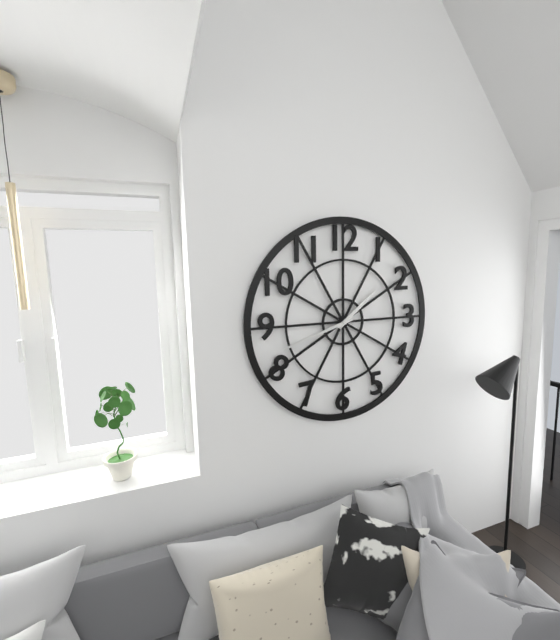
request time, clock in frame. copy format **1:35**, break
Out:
**1:42**
